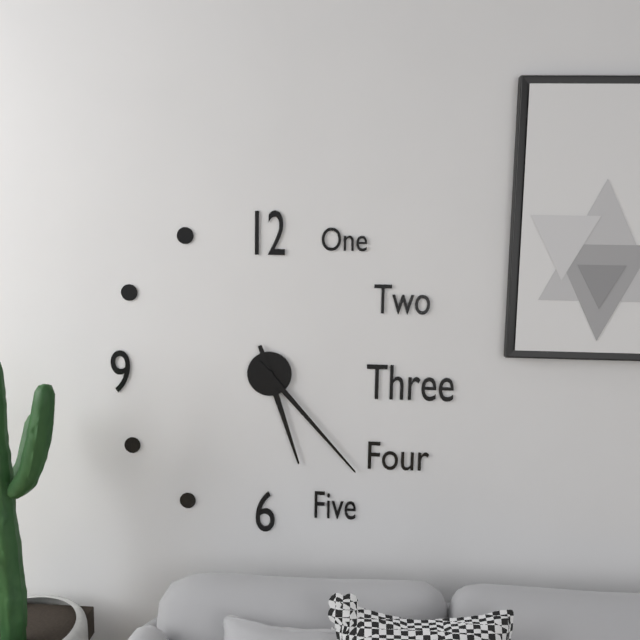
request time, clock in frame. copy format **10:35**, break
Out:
**5:23**
